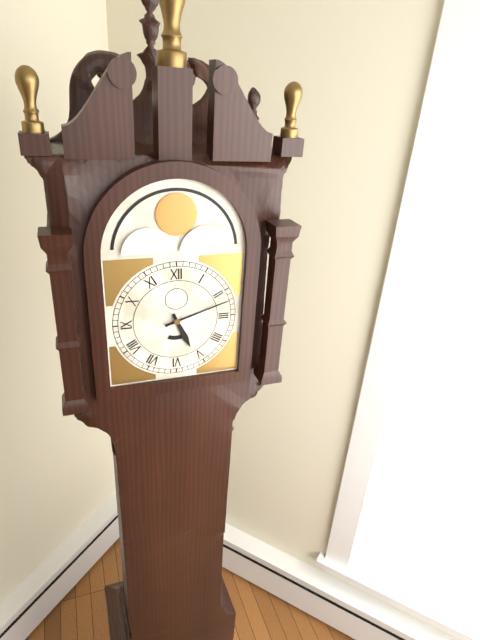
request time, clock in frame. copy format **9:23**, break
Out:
**5:12**
